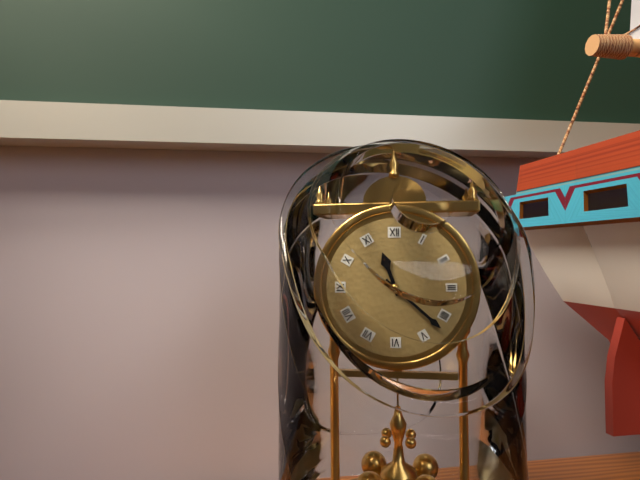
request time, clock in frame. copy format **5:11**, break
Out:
**11:22**
